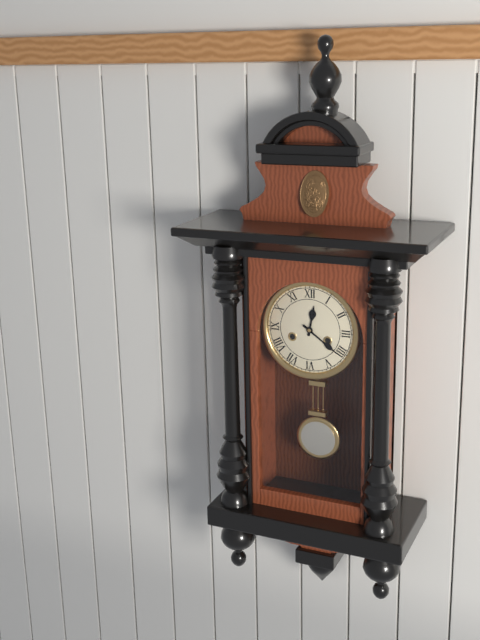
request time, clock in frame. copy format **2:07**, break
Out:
**12:21**
